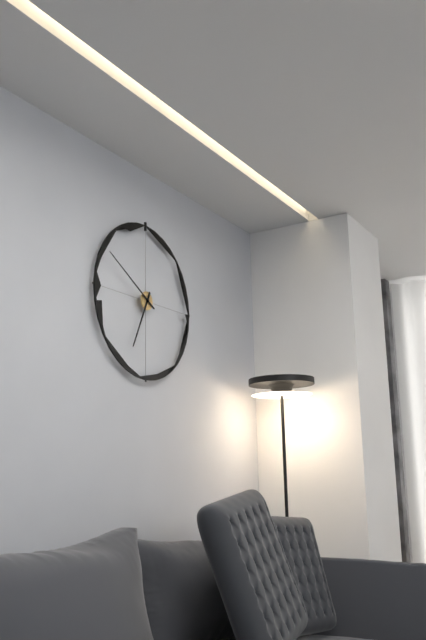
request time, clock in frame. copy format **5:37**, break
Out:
**6:50**
